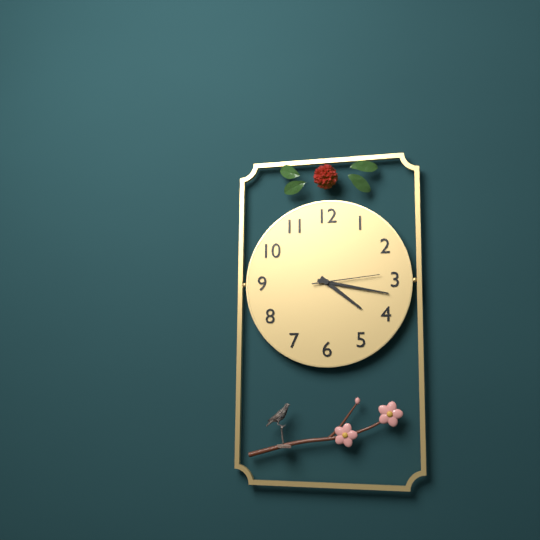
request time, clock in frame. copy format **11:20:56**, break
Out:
**4:17:14**
